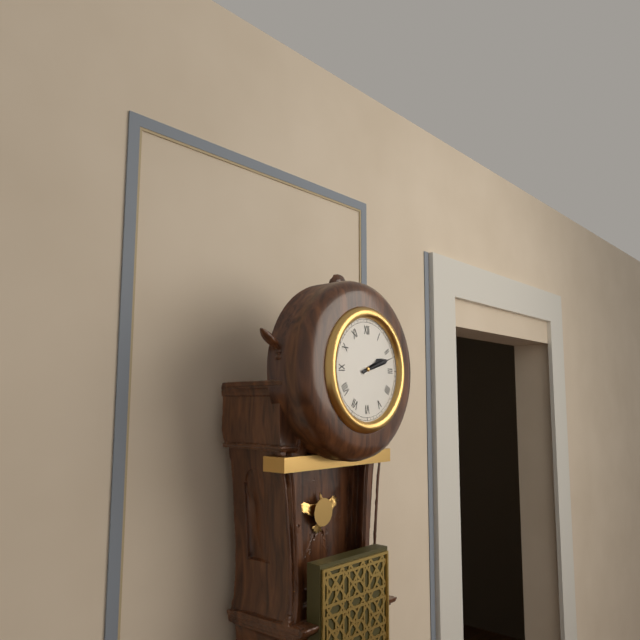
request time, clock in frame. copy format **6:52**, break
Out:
**2:12**
